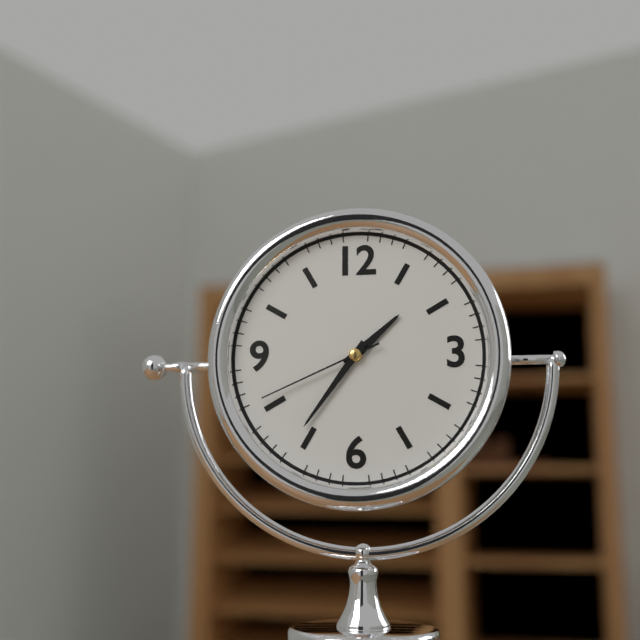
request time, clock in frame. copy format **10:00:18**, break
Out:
**1:36:41**
